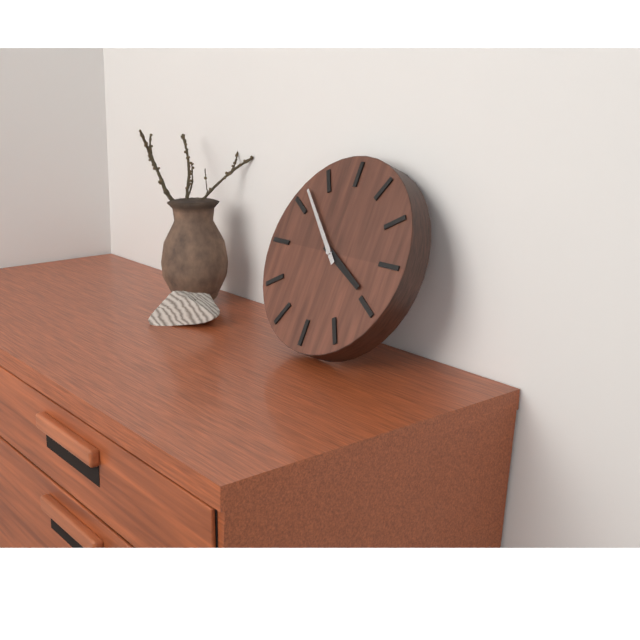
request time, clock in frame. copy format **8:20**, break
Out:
**3:52**
